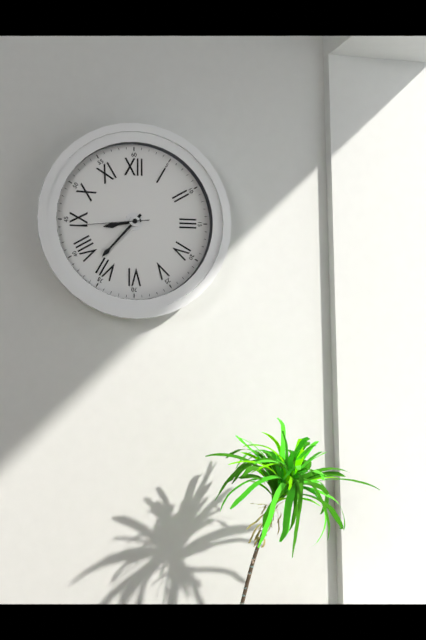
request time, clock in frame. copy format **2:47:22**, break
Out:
**8:37:44**
